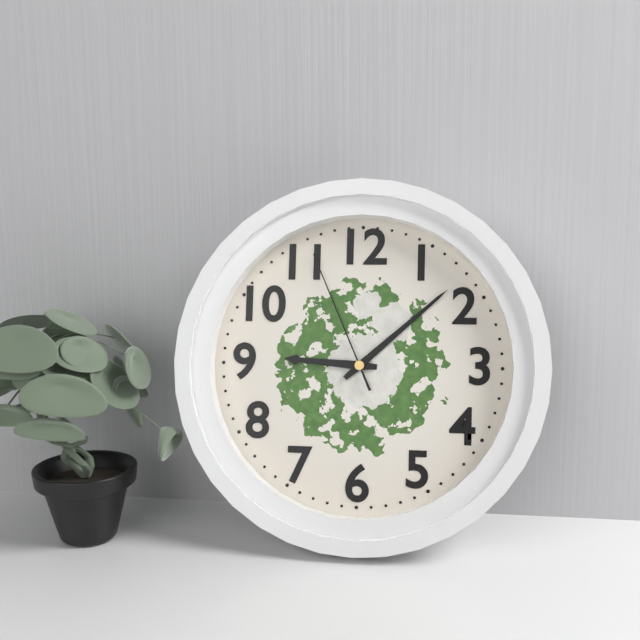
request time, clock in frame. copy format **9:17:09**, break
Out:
**9:08:56**
